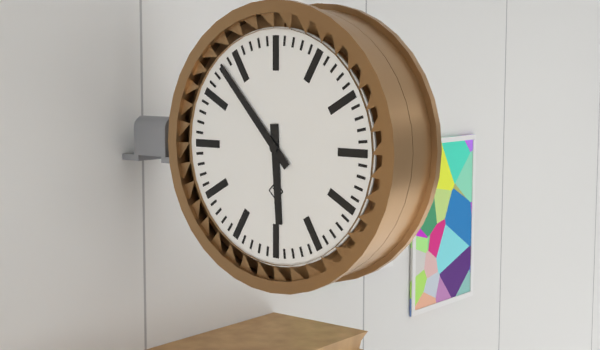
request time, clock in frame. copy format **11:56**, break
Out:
**5:53**
